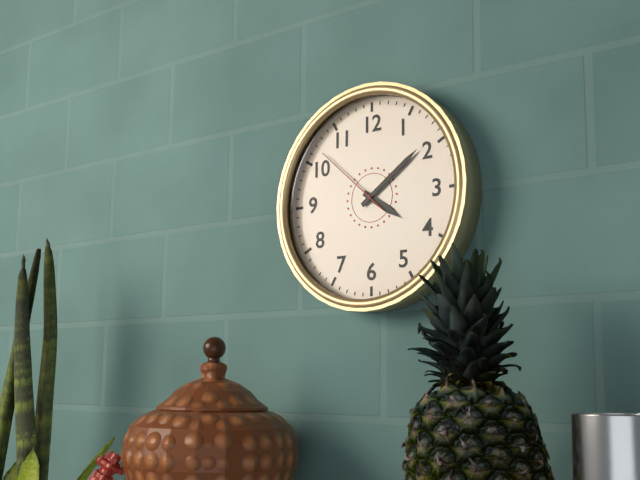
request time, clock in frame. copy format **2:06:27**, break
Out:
**4:09:52**
